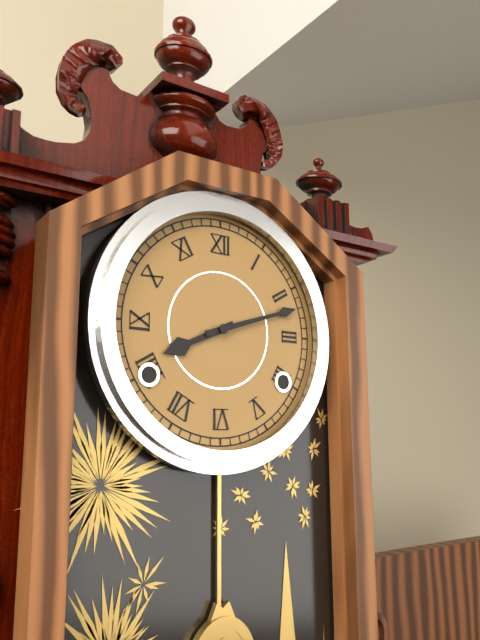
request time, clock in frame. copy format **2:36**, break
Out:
**8:12**
